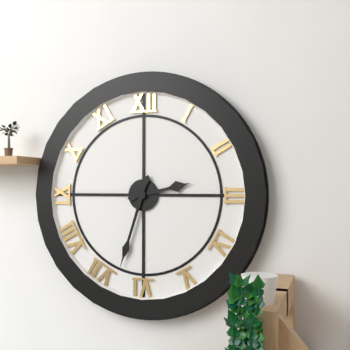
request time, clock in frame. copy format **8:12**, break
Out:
**2:33**
